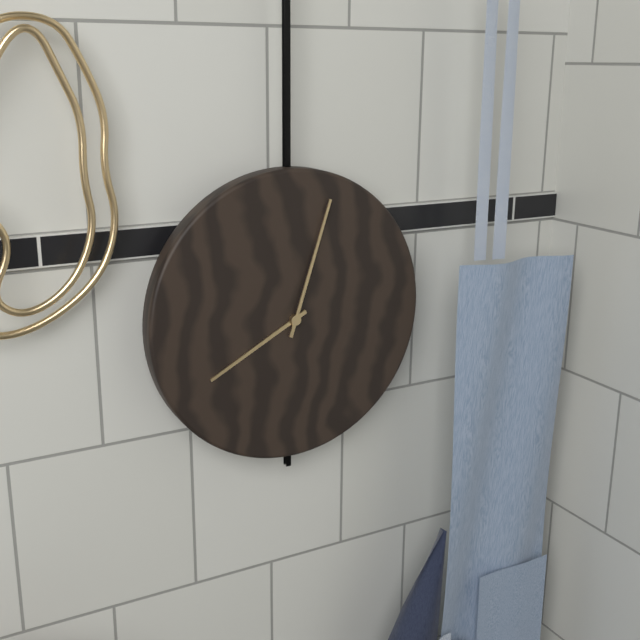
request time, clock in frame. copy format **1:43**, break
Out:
**8:03**
